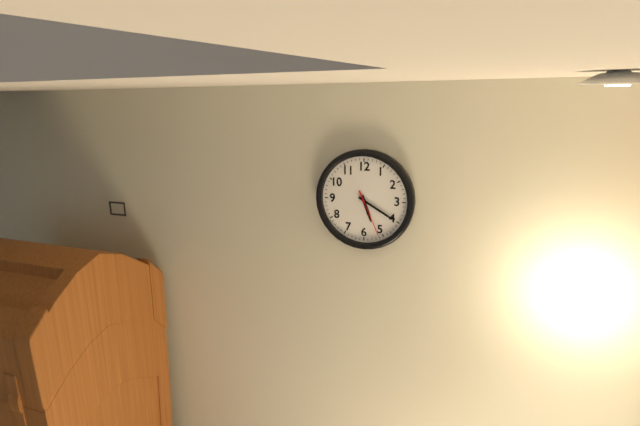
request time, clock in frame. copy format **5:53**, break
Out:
**5:20**
